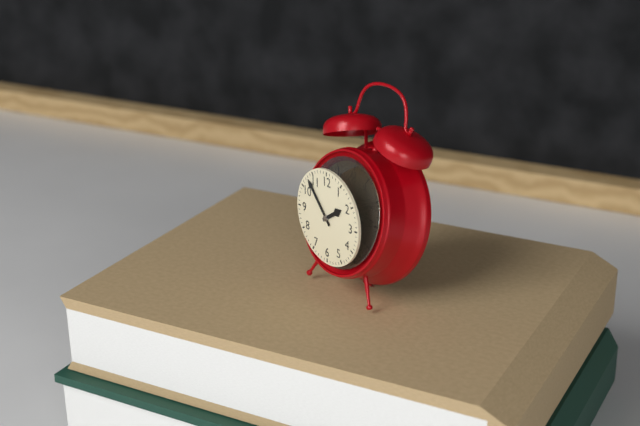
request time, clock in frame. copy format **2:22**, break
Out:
**1:53**
